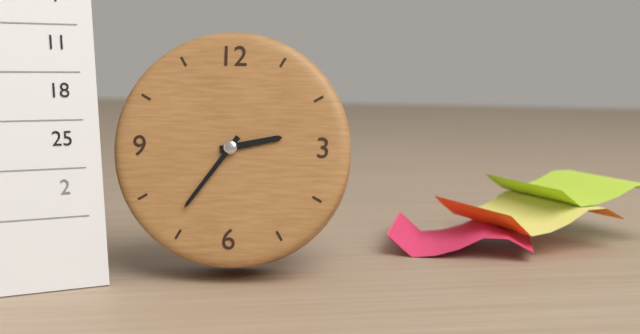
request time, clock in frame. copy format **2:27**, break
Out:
**2:36**
